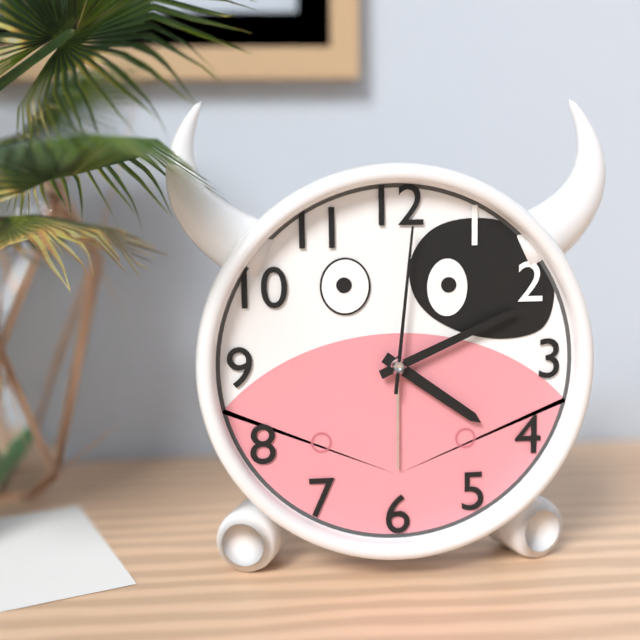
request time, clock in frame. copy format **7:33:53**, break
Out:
**4:11:01**
